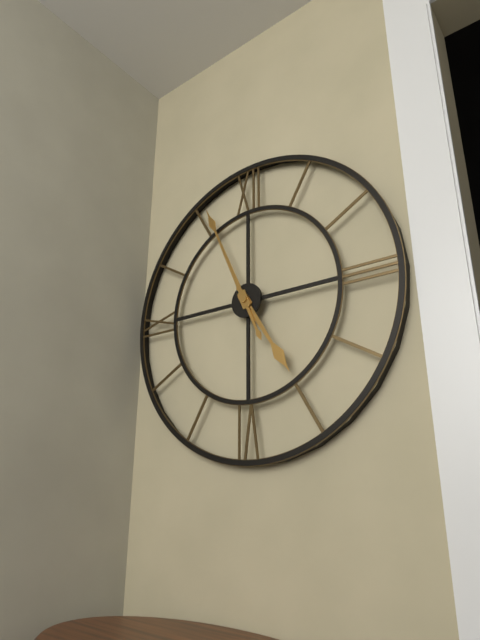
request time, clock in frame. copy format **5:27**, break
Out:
**4:56**
